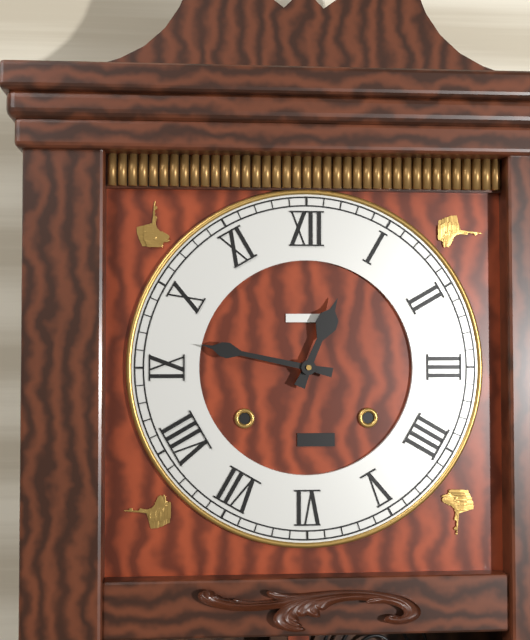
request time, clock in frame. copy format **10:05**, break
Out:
**12:47**
